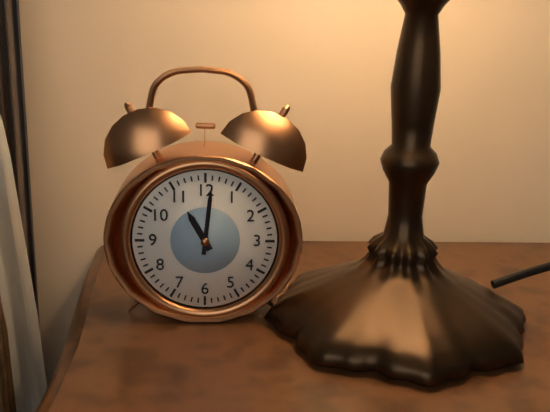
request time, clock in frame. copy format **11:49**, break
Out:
**11:01**
